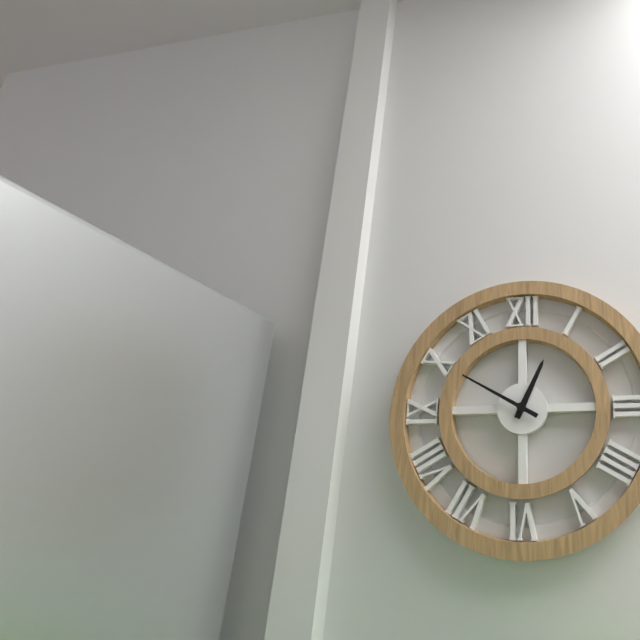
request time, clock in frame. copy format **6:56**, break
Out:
**12:50**
